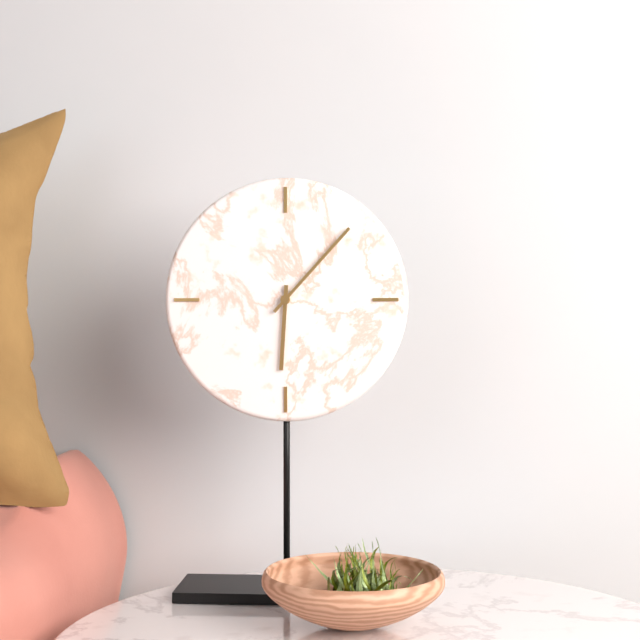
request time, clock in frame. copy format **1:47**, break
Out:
**6:07**
